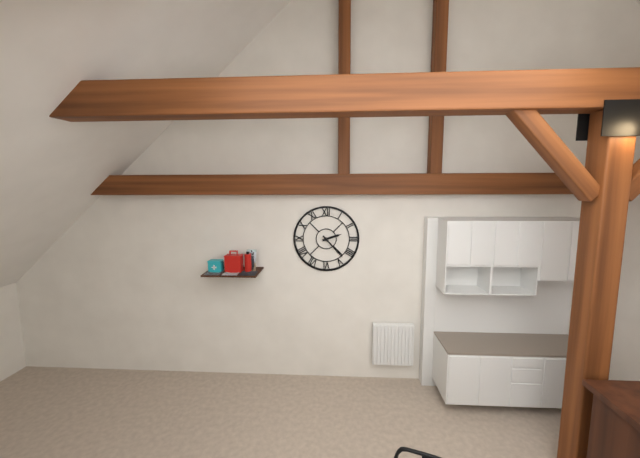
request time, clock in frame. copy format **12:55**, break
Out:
**2:23**
